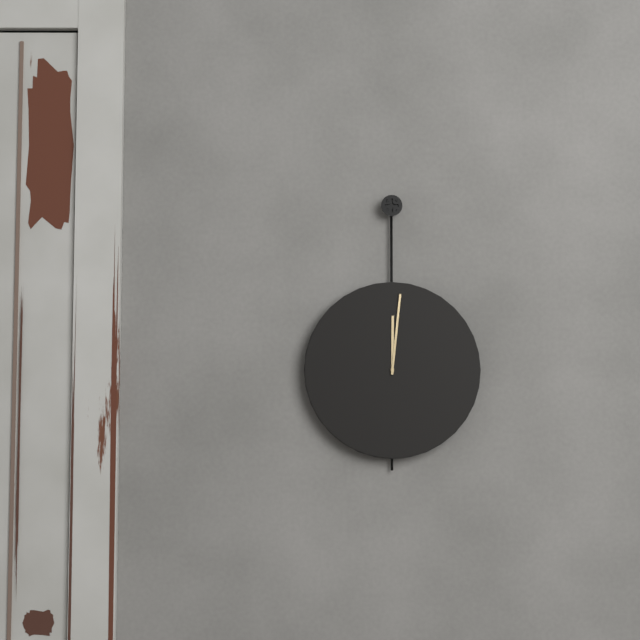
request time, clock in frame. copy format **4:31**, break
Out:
**12:01**
